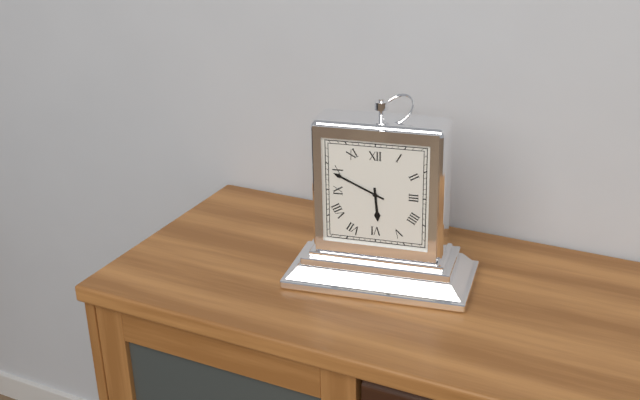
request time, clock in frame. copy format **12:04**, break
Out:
**5:49**
